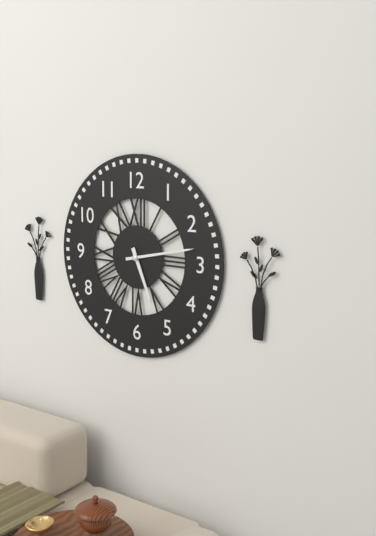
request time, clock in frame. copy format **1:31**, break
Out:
**5:13**
